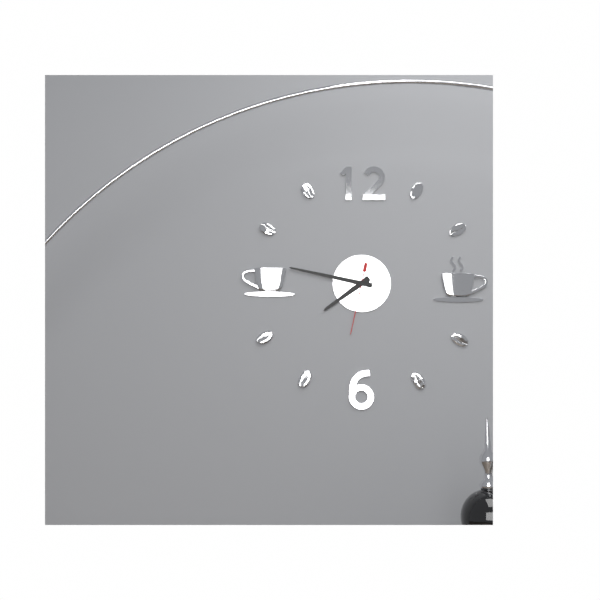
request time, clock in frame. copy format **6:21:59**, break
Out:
**7:47:32**
